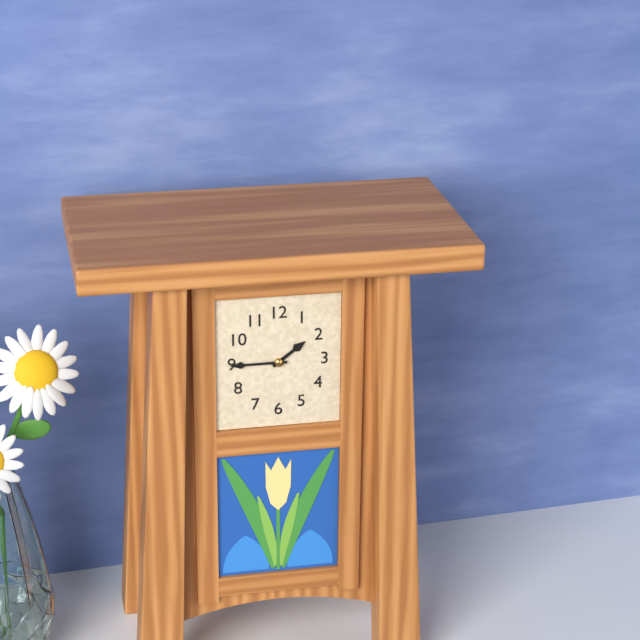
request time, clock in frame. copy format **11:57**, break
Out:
**1:45**
